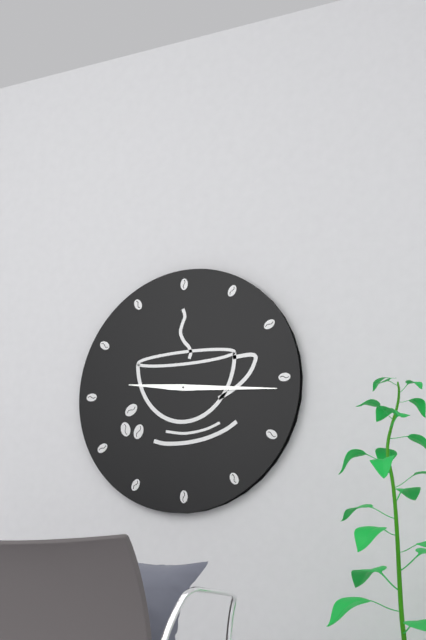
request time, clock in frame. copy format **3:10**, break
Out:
**9:16**
